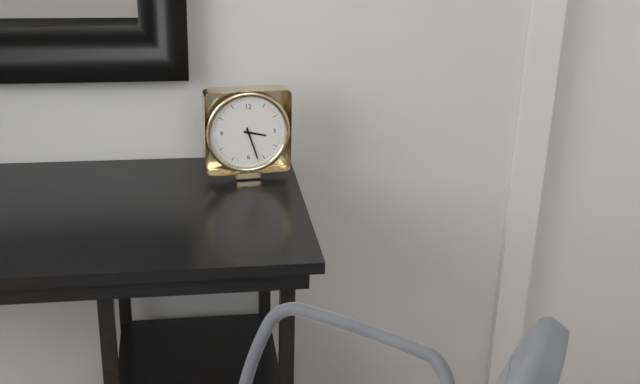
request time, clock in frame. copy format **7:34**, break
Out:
**3:27**
